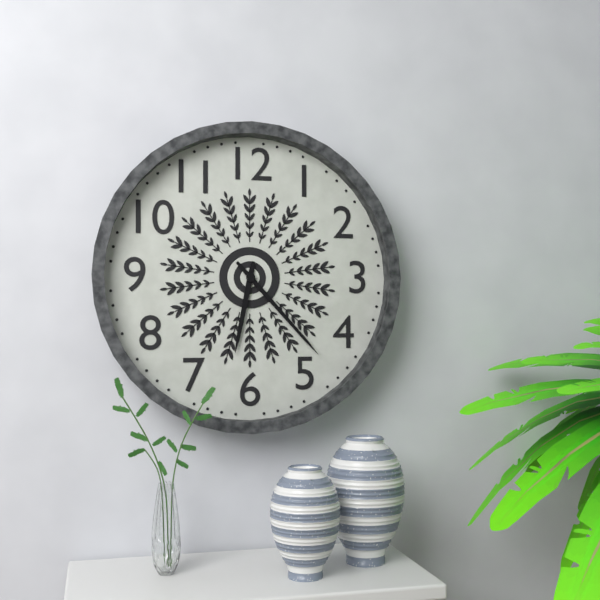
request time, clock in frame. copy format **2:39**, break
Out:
**6:23**
